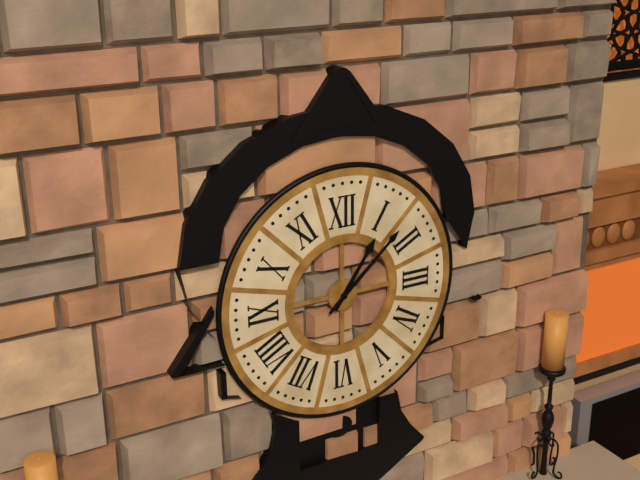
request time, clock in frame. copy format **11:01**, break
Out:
**1:08**
